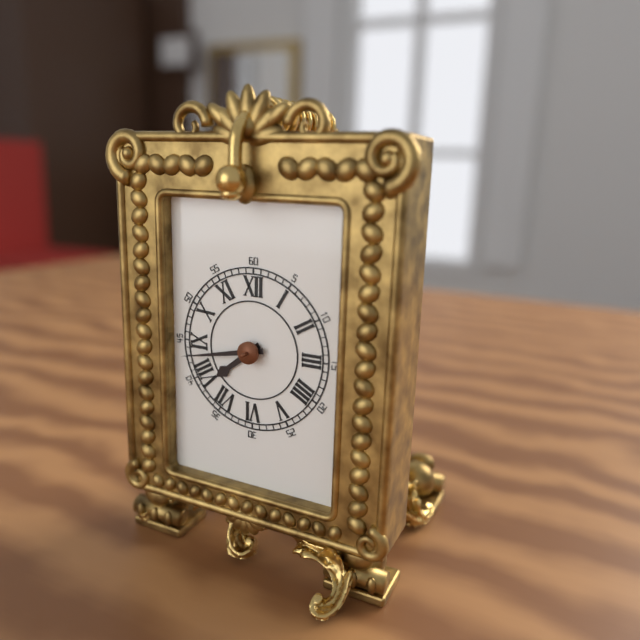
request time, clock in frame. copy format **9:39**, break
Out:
**7:43**
